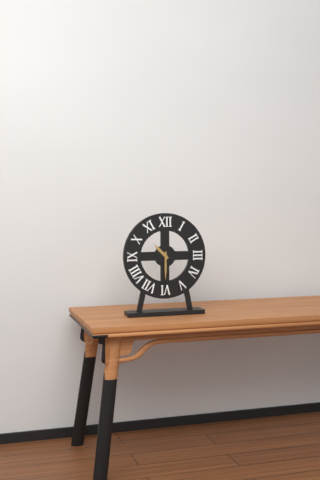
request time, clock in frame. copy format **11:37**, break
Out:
**10:30**
